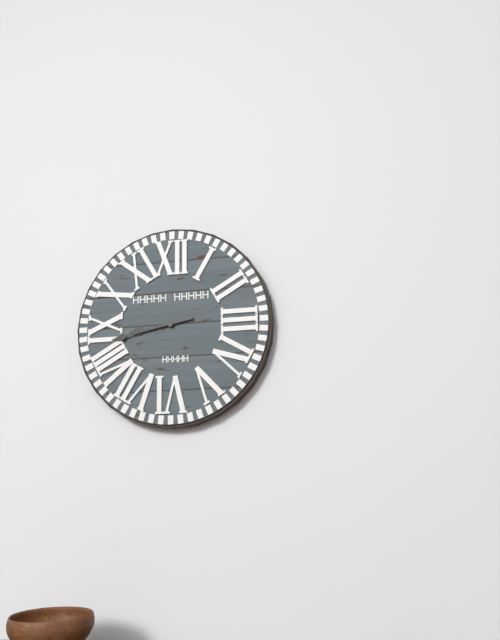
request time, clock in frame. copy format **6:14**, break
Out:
**8:43**
